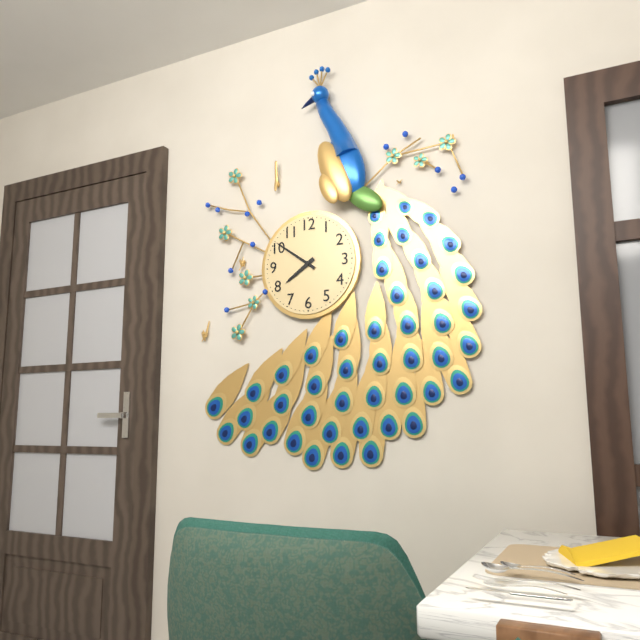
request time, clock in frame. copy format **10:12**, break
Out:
**7:51**
